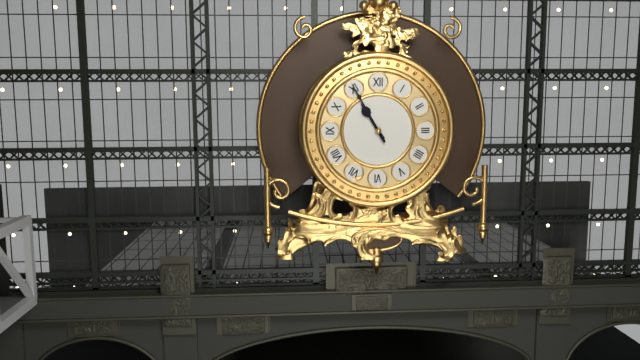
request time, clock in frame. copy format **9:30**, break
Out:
**10:55**
